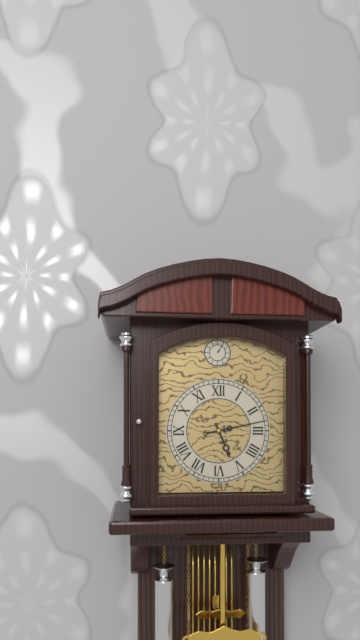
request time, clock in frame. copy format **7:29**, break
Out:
**5:13**
